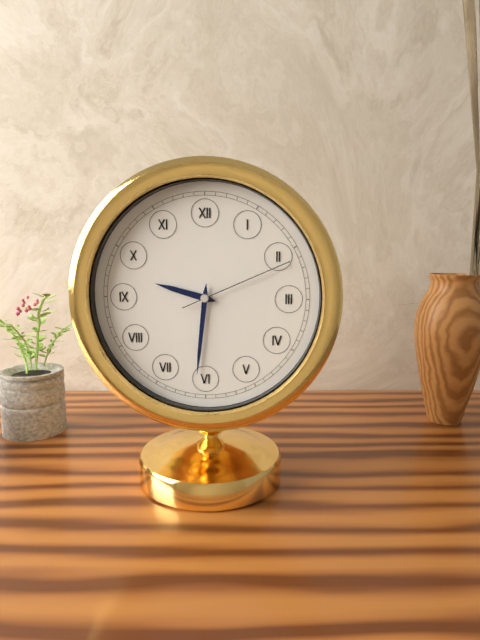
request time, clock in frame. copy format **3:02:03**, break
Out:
**9:31:11**
